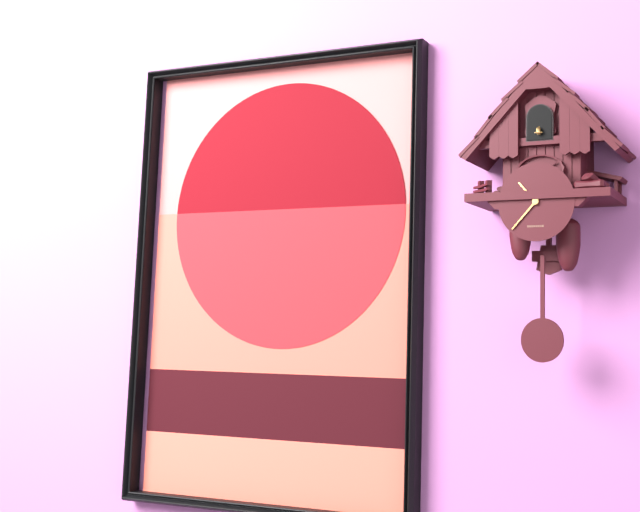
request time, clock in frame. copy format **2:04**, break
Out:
**10:37**
